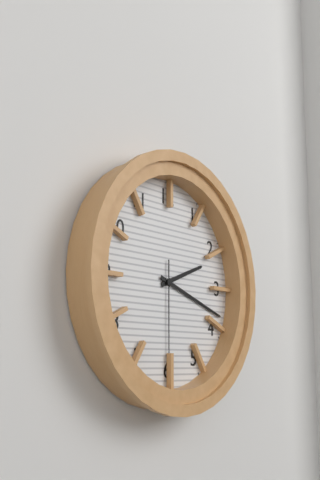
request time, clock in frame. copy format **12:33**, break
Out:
**2:18**
